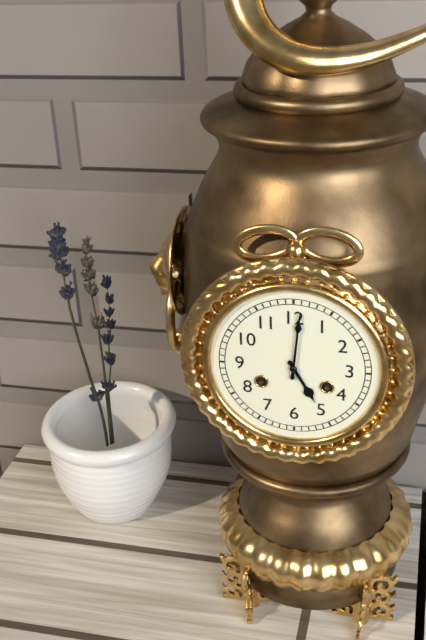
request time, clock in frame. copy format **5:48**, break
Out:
**5:01**
